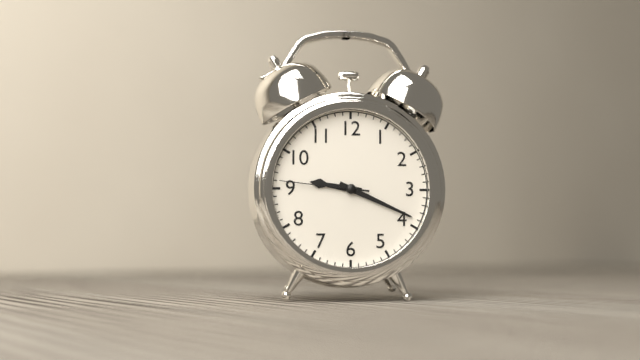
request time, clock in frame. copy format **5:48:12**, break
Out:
**9:19:46**
